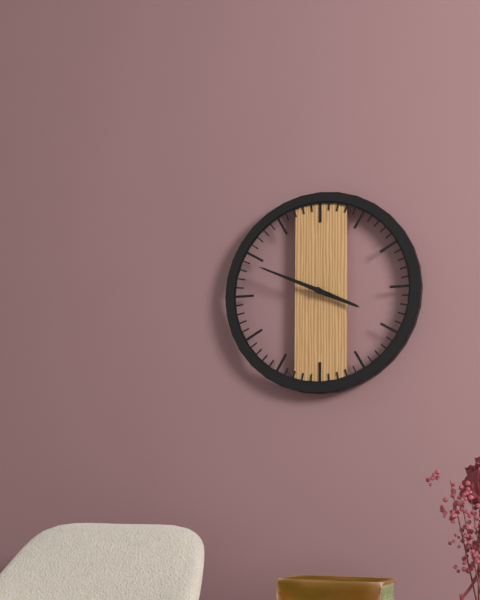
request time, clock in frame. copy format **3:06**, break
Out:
**3:49**
